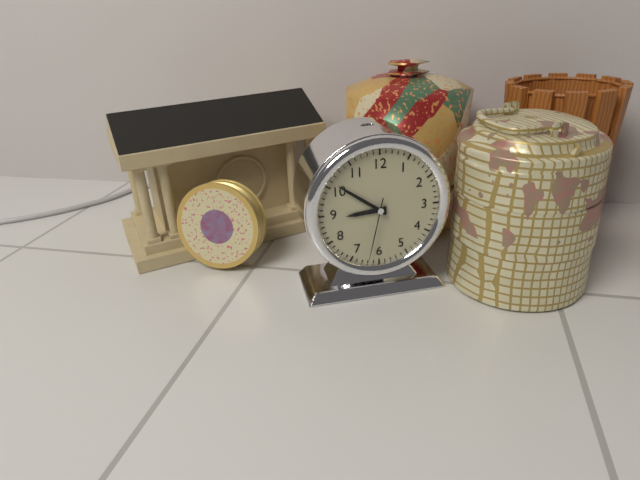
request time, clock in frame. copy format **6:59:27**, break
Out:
**8:51:32**
